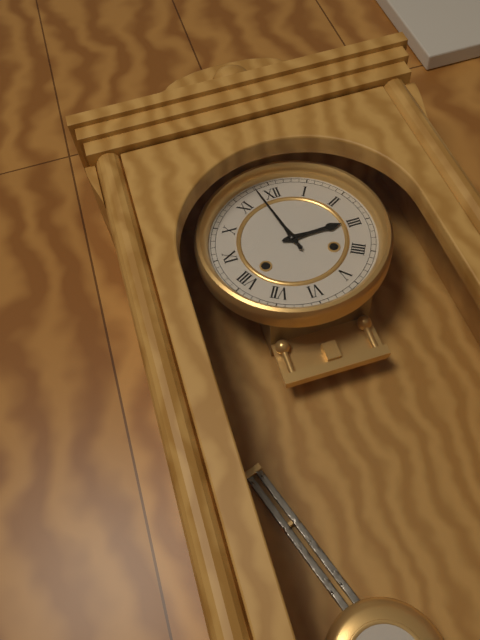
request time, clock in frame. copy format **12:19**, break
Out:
**2:58**
